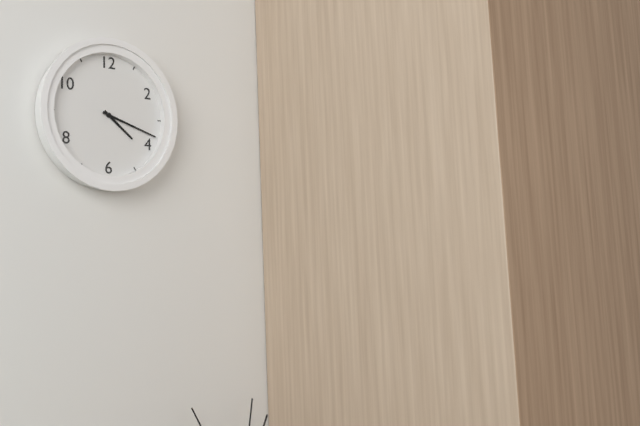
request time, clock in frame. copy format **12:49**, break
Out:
**4:18**
